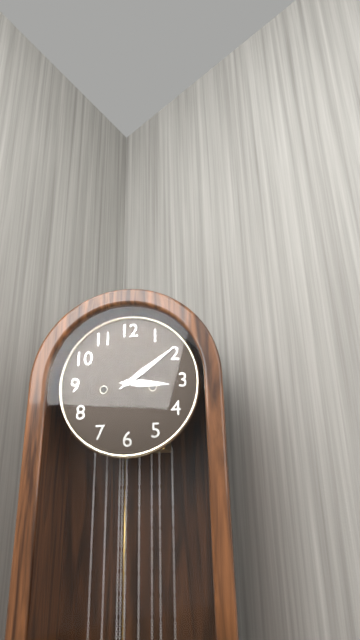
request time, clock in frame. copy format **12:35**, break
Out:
**3:09**
